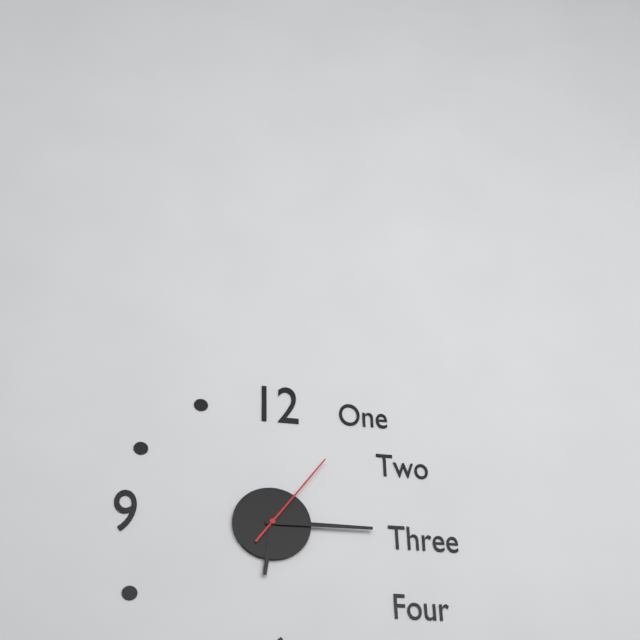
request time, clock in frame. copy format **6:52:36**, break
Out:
**6:15:06**
